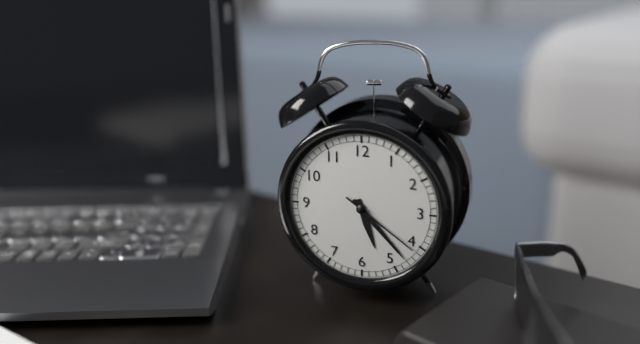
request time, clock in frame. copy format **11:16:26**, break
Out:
**5:23:21**
